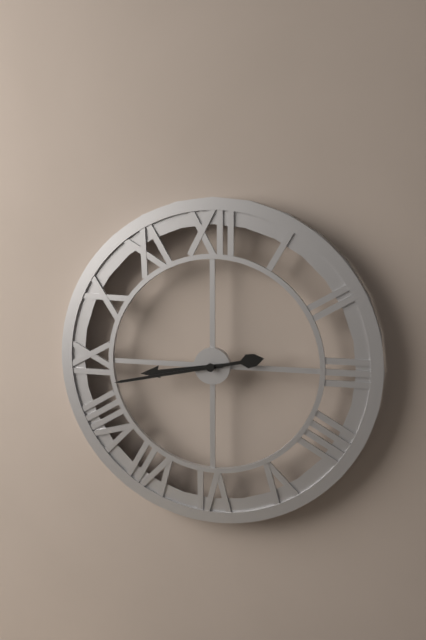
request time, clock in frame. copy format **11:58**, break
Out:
**8:43**
